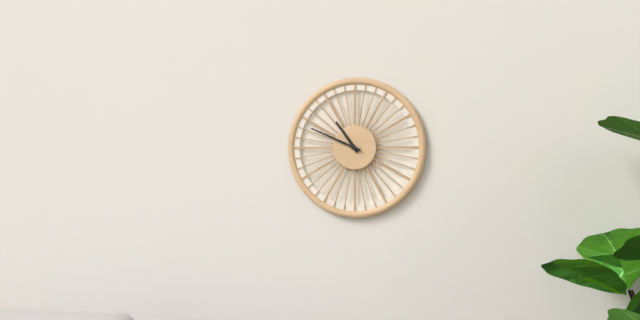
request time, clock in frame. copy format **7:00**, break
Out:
**10:49**
